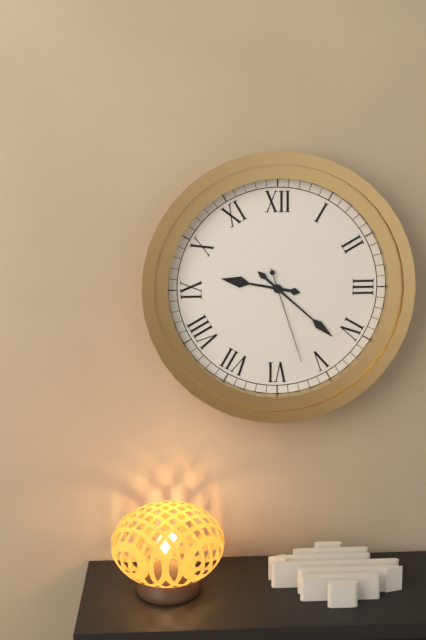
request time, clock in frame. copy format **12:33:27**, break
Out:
**9:22:27**
